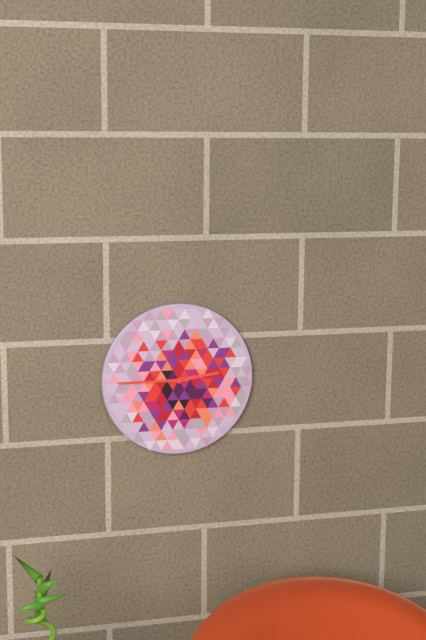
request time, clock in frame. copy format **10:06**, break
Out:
**2:45**
